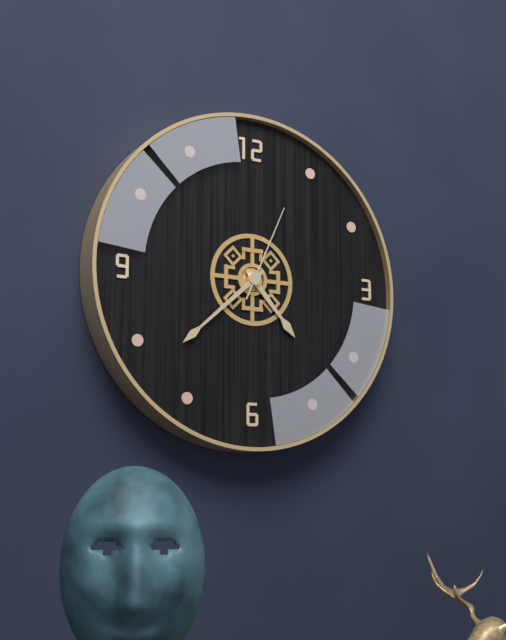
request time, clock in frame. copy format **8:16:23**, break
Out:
**4:38:04**
